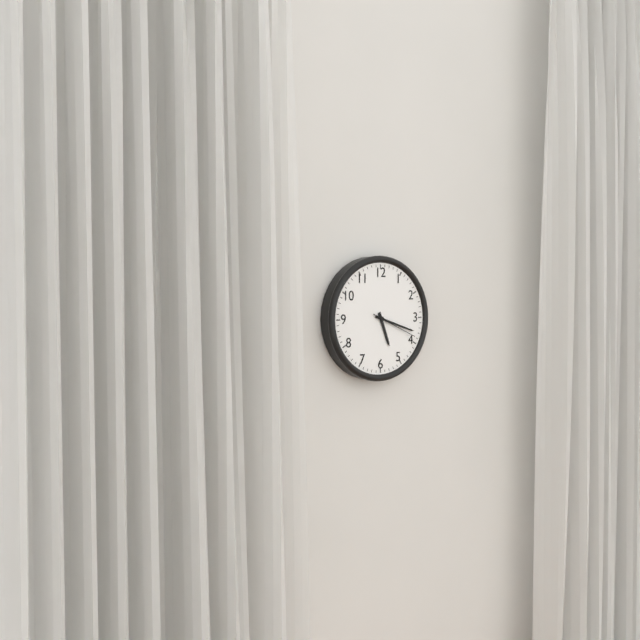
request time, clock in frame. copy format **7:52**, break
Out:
**5:18**
